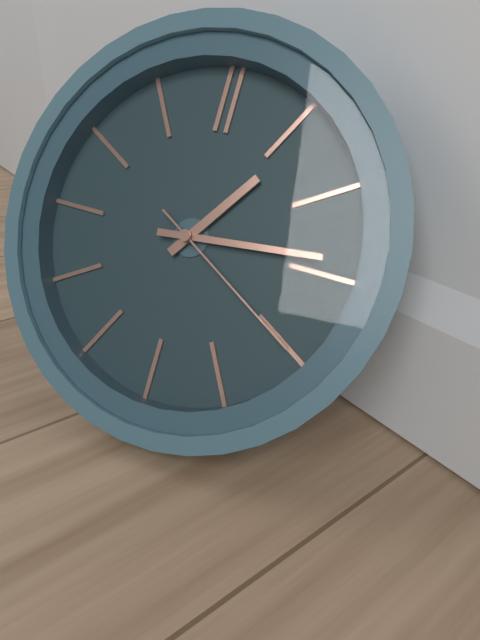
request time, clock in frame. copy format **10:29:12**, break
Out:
**1:14:20**
